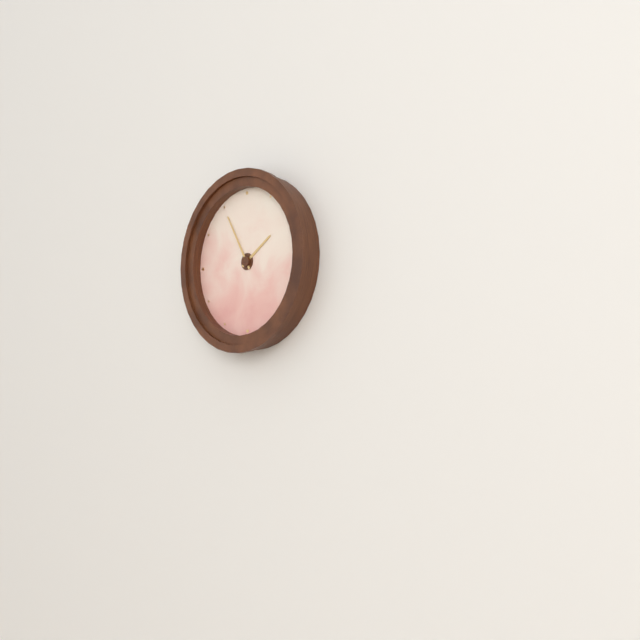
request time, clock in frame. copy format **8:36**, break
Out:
**1:55**
